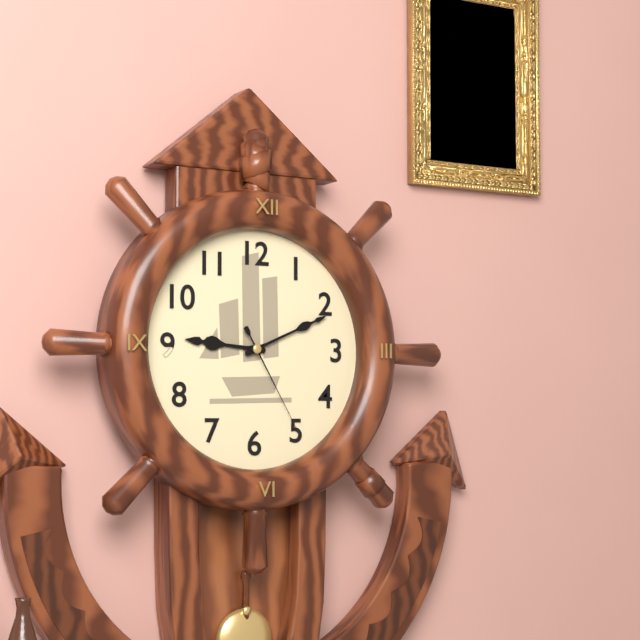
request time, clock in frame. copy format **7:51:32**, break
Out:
**9:11:25**
